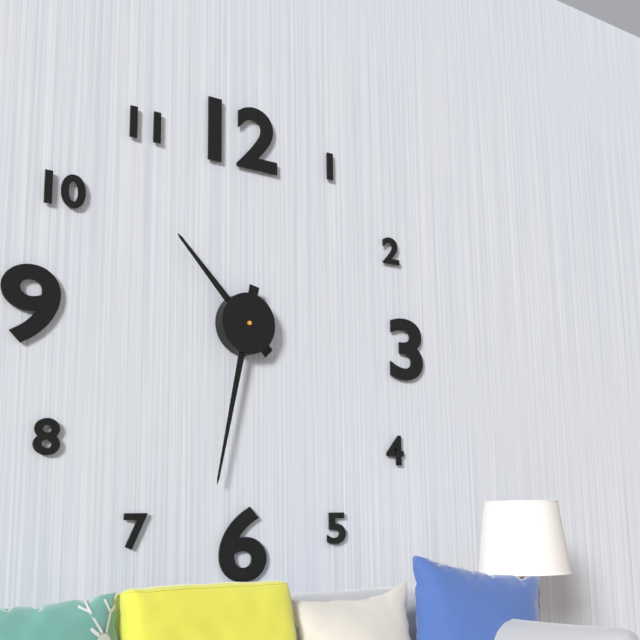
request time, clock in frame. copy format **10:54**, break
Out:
**10:32**
